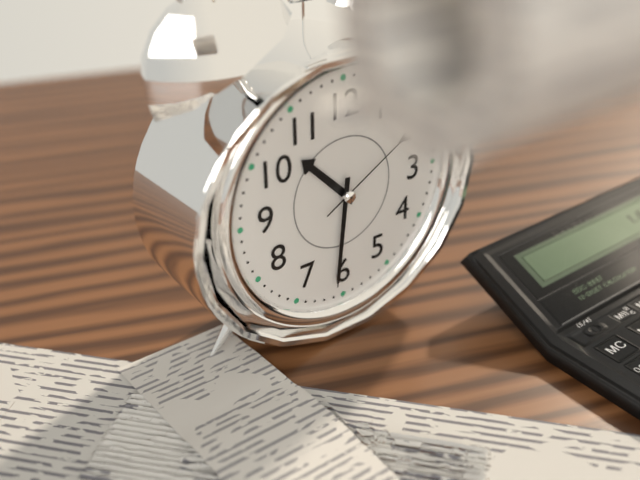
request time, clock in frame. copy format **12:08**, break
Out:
**10:31**
